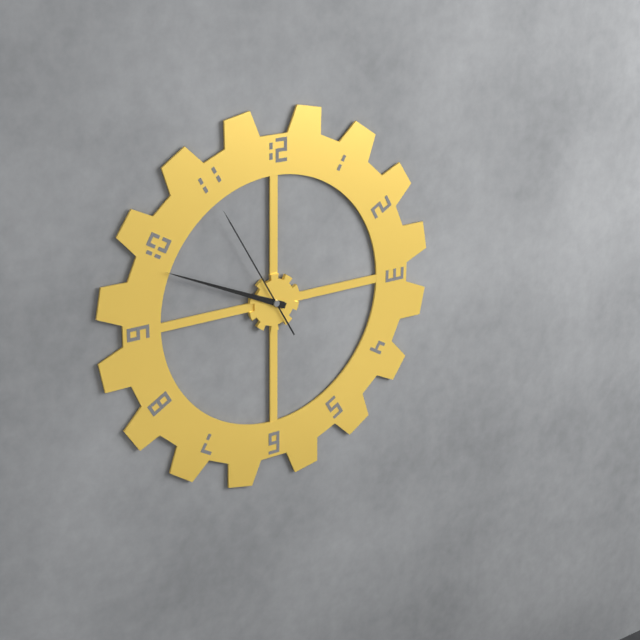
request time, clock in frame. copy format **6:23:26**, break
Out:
**9:49:55**
